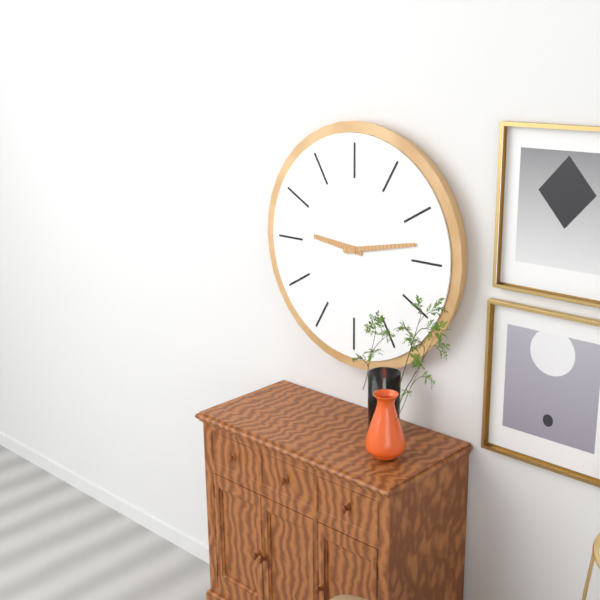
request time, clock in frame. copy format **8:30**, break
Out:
**9:13**
